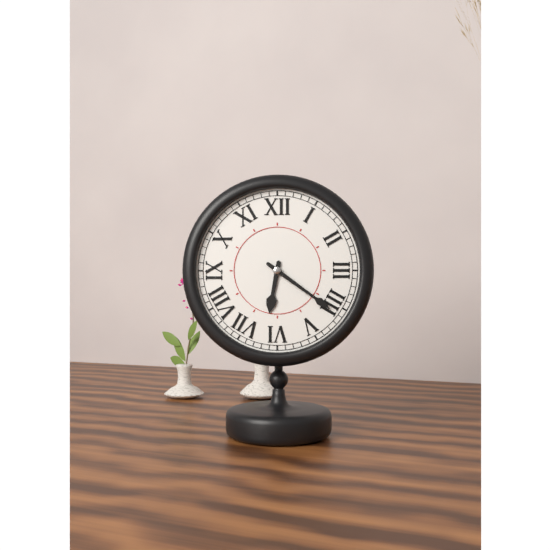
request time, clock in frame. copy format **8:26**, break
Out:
**6:21**
